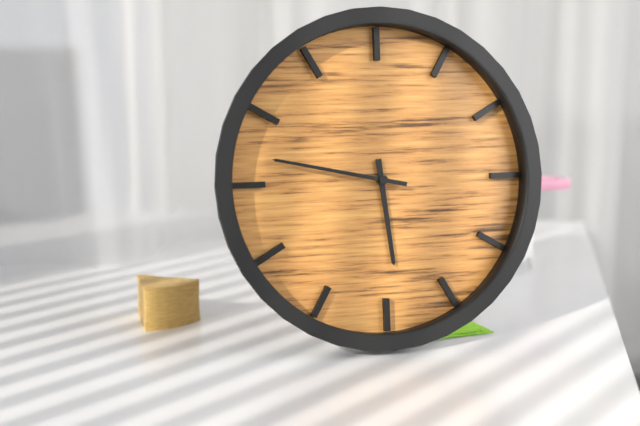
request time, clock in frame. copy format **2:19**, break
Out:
**5:47**
